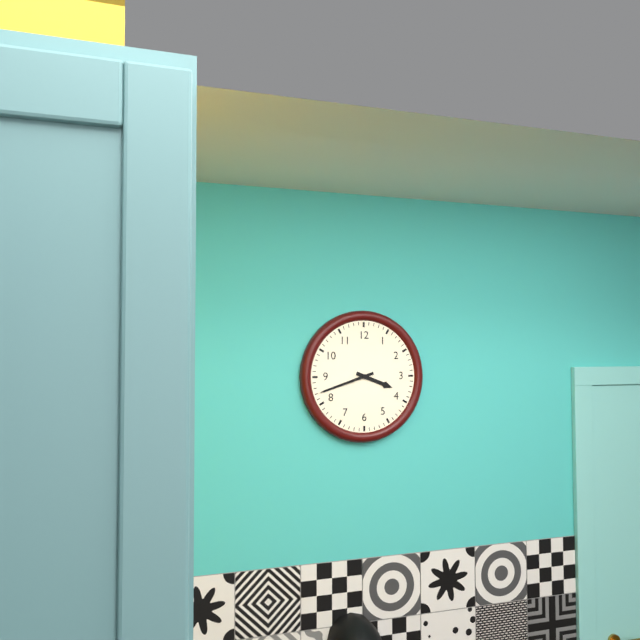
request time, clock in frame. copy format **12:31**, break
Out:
**3:42**
